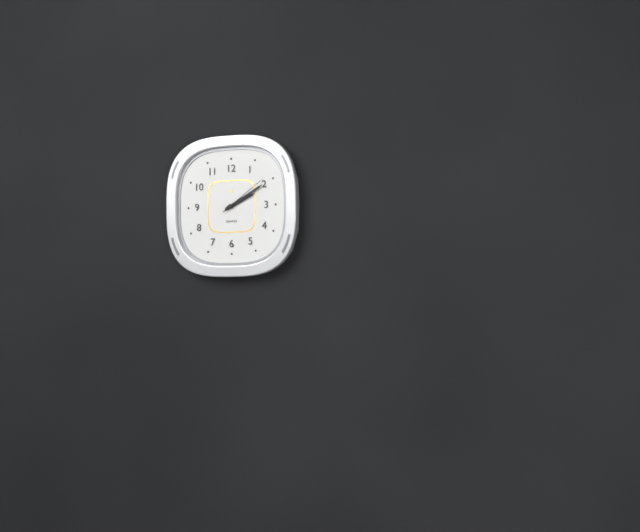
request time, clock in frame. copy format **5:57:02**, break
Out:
**2:10:09**
